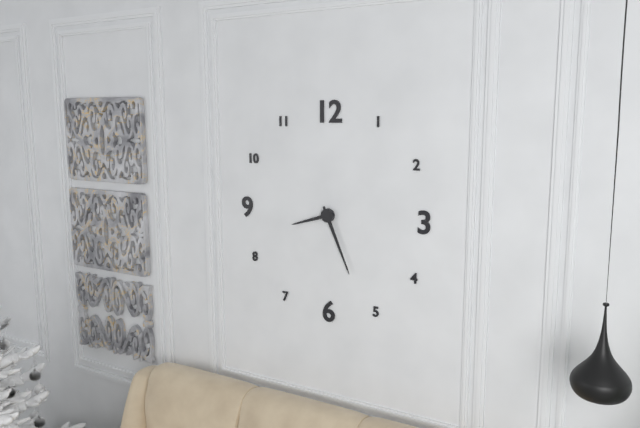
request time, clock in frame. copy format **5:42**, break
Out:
**8:26**
